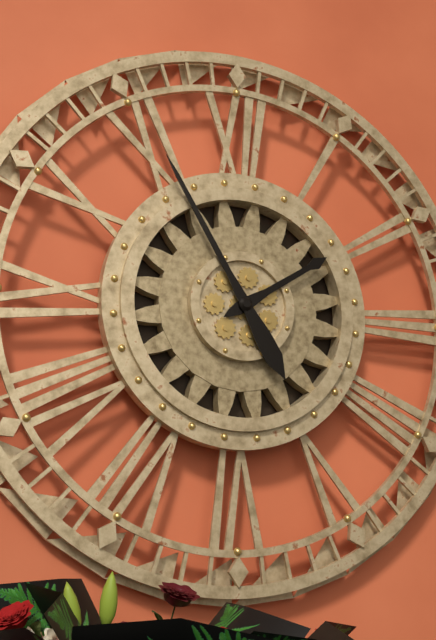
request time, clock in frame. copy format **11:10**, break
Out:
**1:55**
